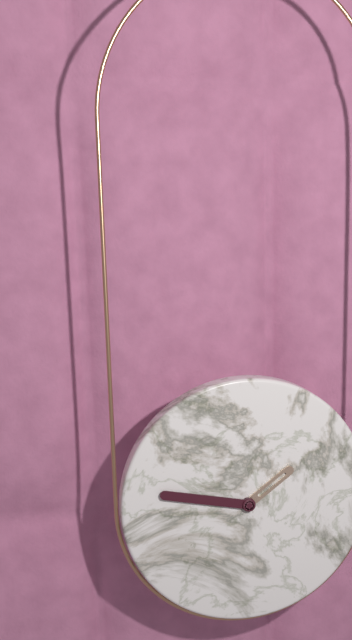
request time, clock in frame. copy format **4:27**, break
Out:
**1:47**
